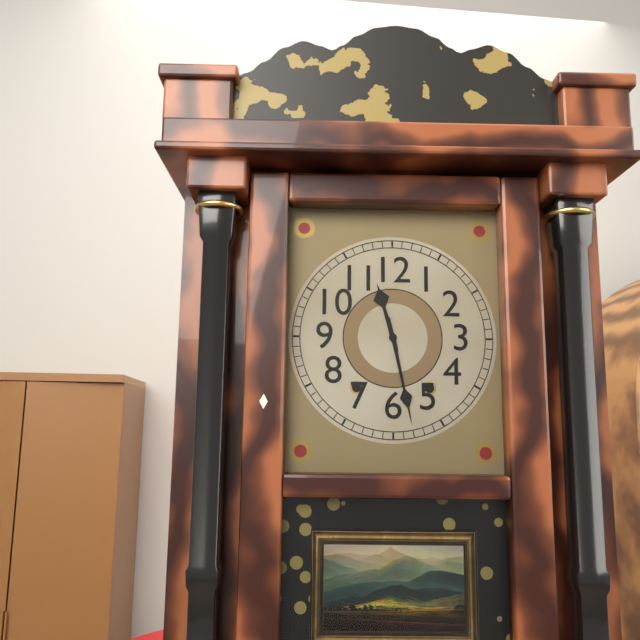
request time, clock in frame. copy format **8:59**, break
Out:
**11:28**
